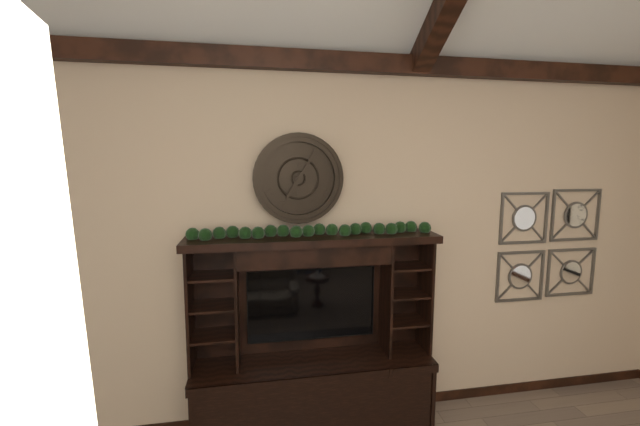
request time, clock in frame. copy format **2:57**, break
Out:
**7:05**
